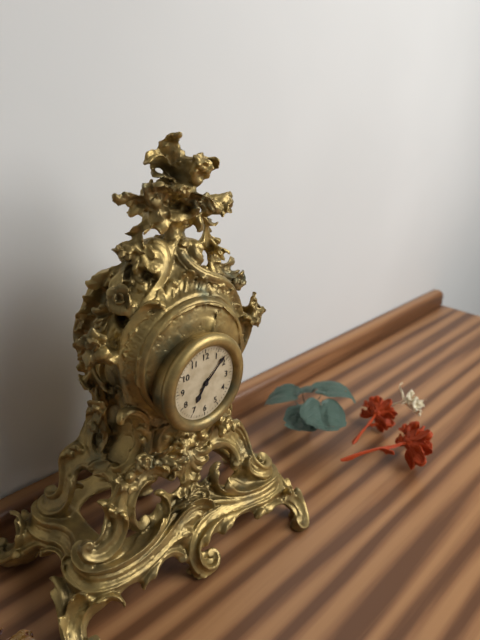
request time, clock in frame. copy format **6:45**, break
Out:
**7:08**
